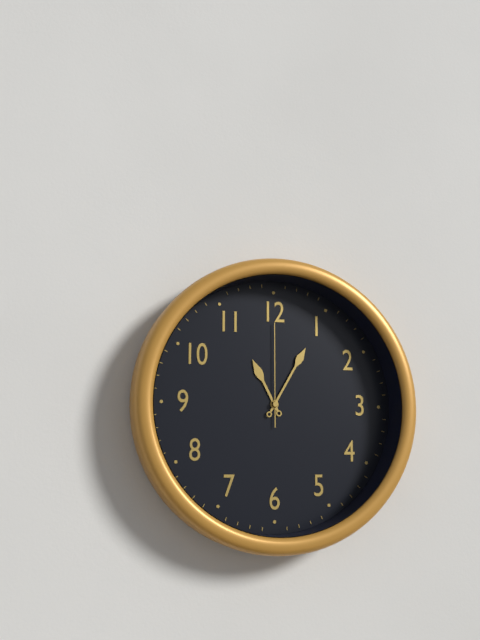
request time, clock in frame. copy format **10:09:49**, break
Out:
**11:05:00**
